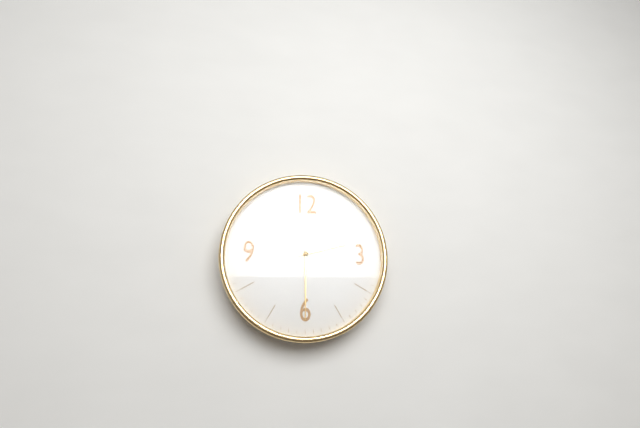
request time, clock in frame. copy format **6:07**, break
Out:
**2:30**
